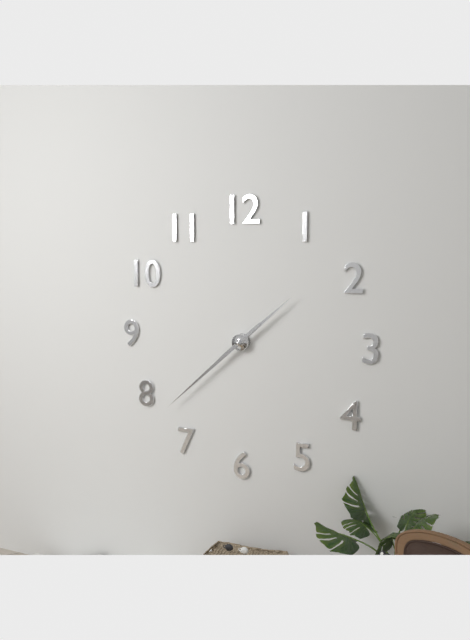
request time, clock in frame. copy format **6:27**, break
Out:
**1:38**
